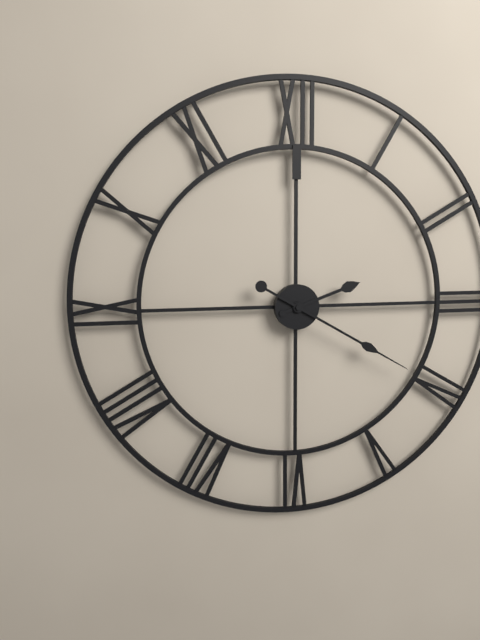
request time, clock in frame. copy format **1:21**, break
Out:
**2:20**
